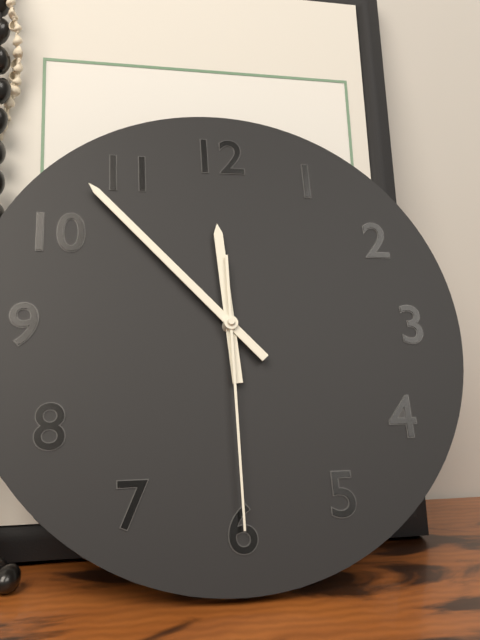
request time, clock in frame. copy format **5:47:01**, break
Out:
**11:53:30**
